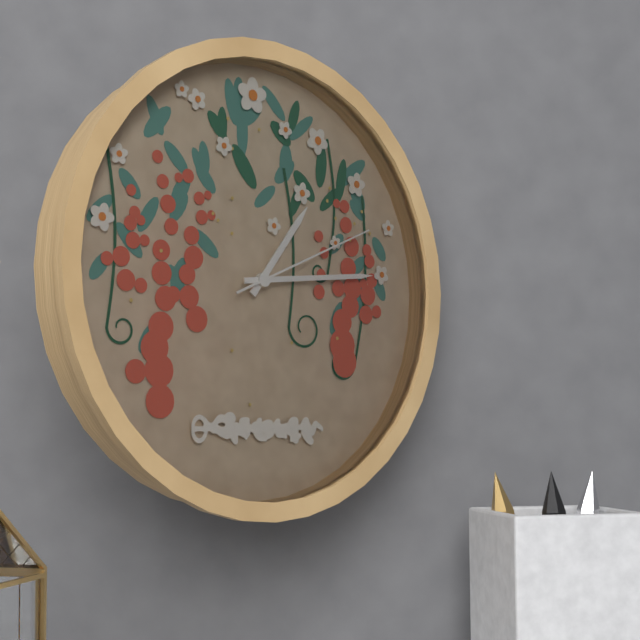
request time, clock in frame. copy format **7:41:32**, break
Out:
**1:14:11**
